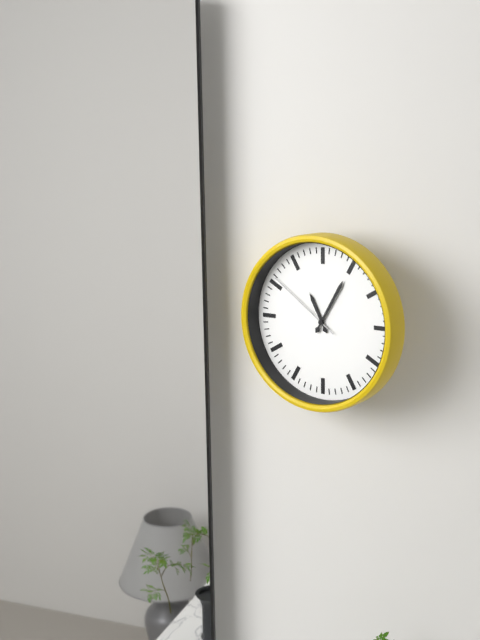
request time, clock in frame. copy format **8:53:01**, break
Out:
**11:05:51**
